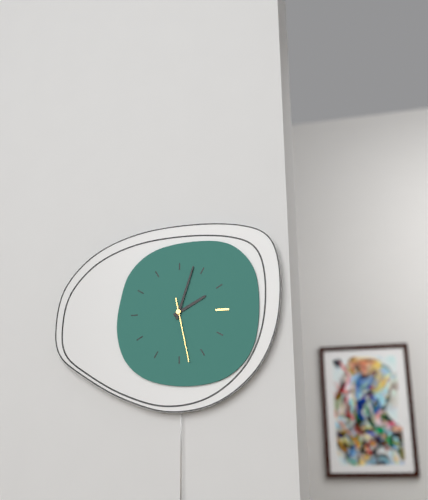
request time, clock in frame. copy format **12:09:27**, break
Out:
**2:03:28**
